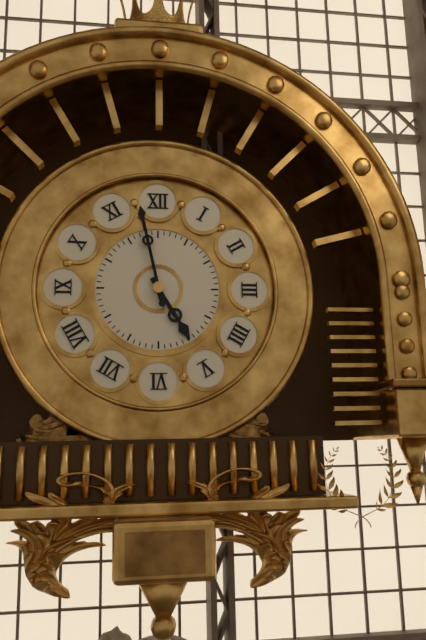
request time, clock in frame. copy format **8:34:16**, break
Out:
**4:58:58**
